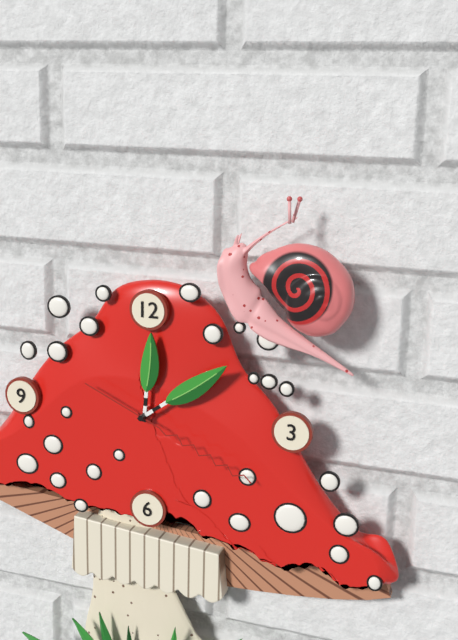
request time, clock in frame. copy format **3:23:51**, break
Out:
**12:09:19**
